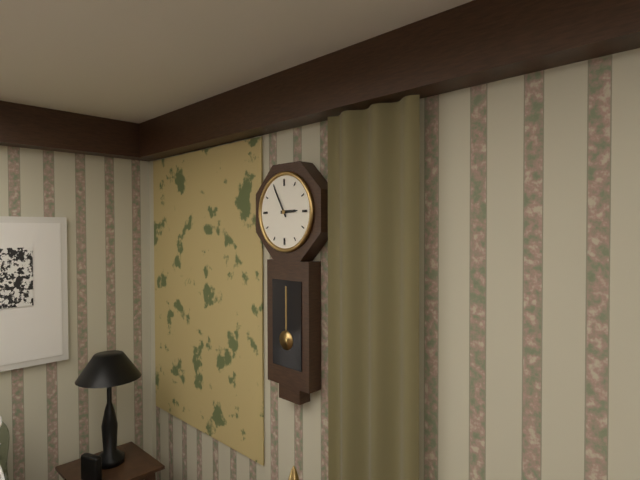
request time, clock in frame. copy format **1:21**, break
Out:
**2:55**
